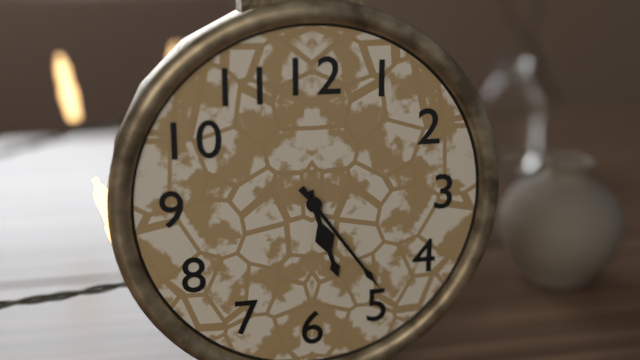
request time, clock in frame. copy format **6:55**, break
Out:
**5:24**
